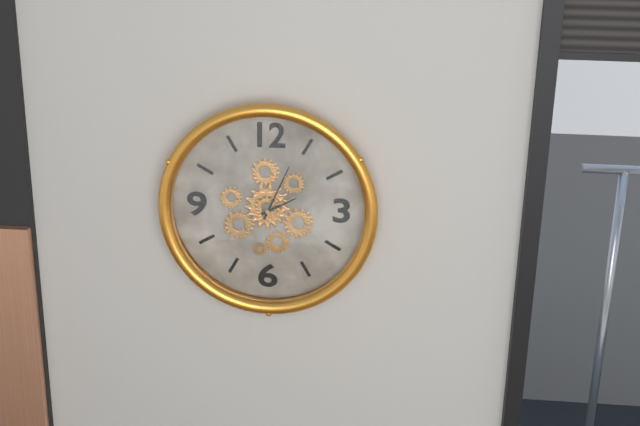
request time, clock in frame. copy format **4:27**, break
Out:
**2:04**
